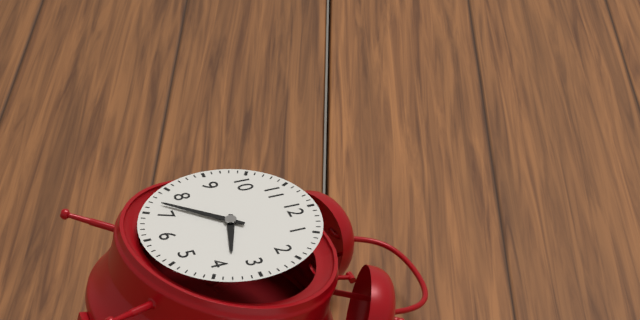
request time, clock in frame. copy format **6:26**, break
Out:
**3:37**
